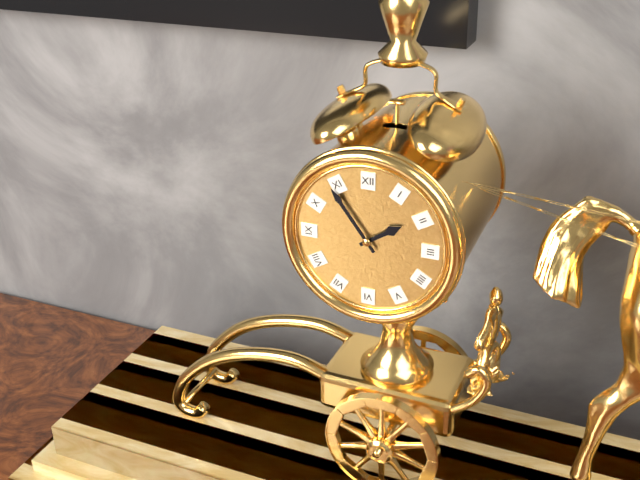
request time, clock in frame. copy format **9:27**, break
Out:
**1:54**
